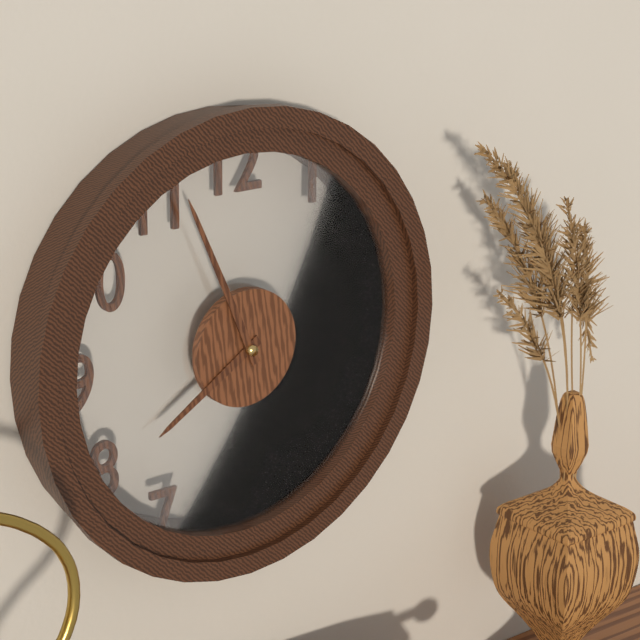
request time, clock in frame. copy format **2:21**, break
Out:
**7:56**
